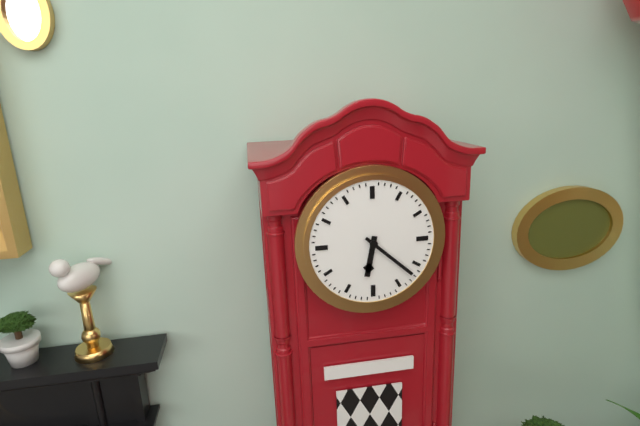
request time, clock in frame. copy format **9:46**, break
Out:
**6:22**
